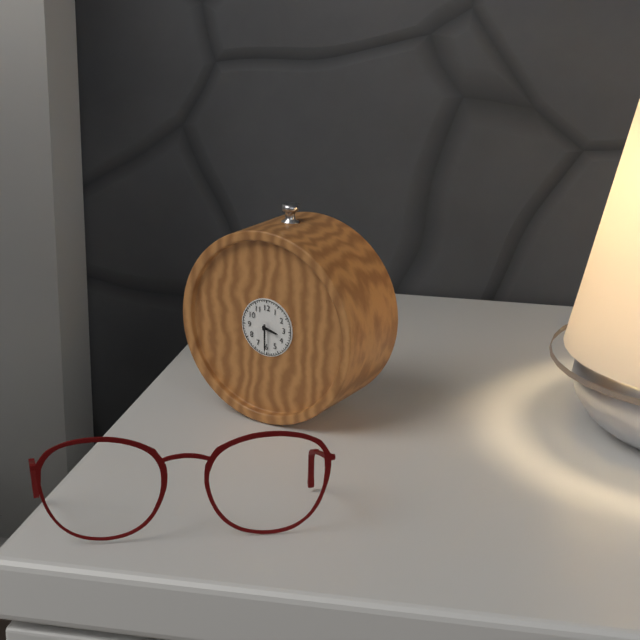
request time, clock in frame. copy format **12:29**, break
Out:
**3:30**
